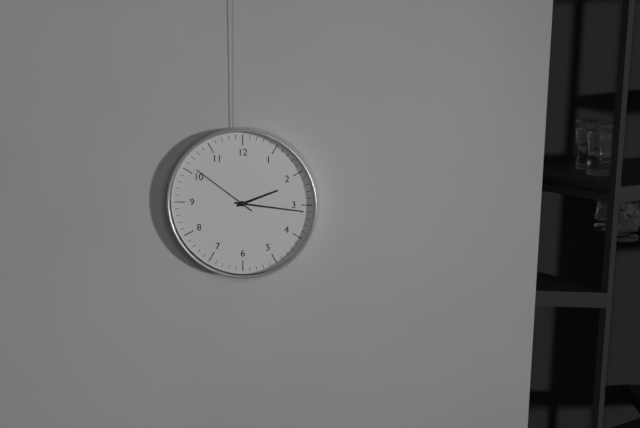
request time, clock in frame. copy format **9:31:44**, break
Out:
**2:16:51**
